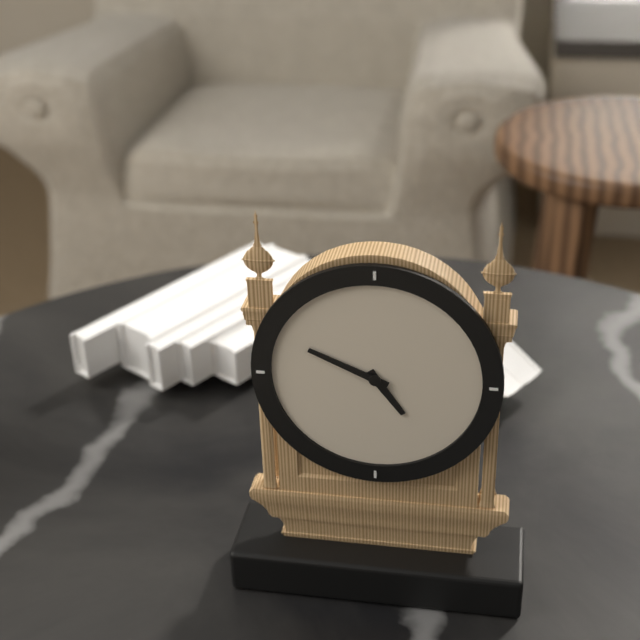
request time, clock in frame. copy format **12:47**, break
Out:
**4:49**
